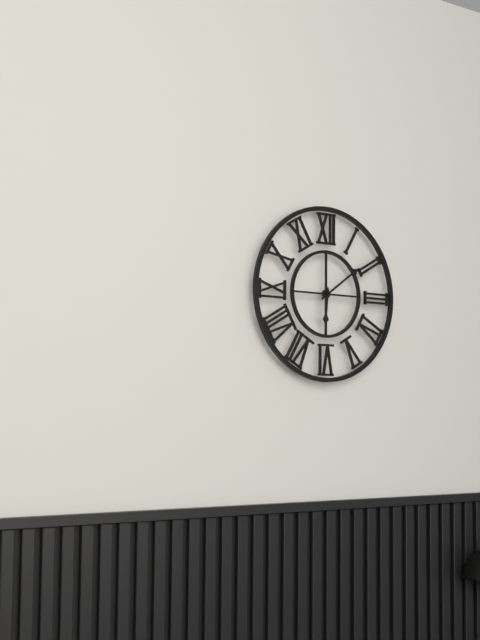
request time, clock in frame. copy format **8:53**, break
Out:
**6:09**
